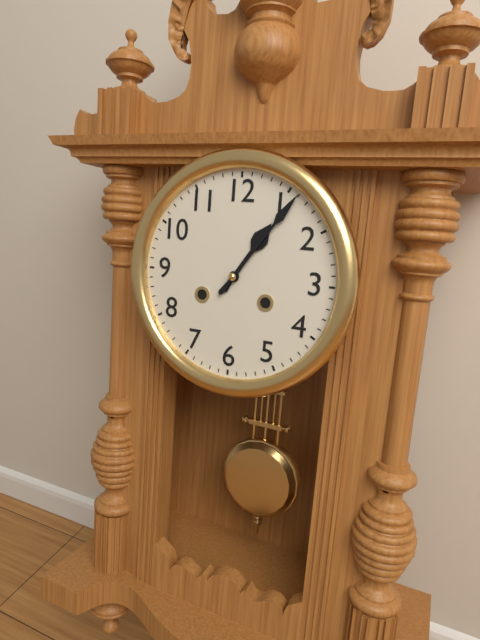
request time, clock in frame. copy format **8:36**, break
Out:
**1:06**
